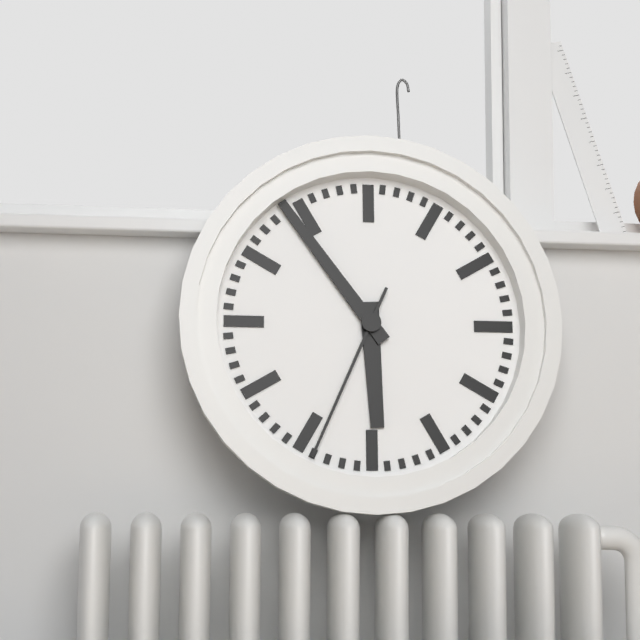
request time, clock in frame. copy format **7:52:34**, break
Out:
**5:54:34**
